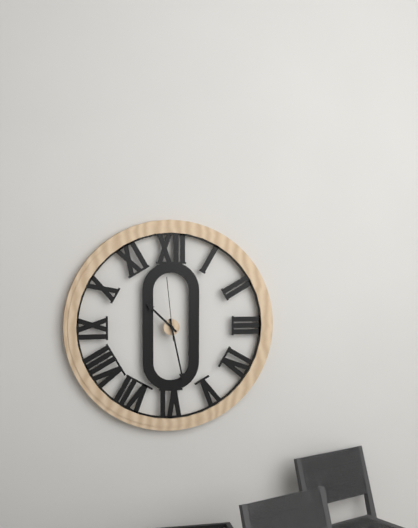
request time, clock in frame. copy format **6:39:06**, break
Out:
**10:28:59**
